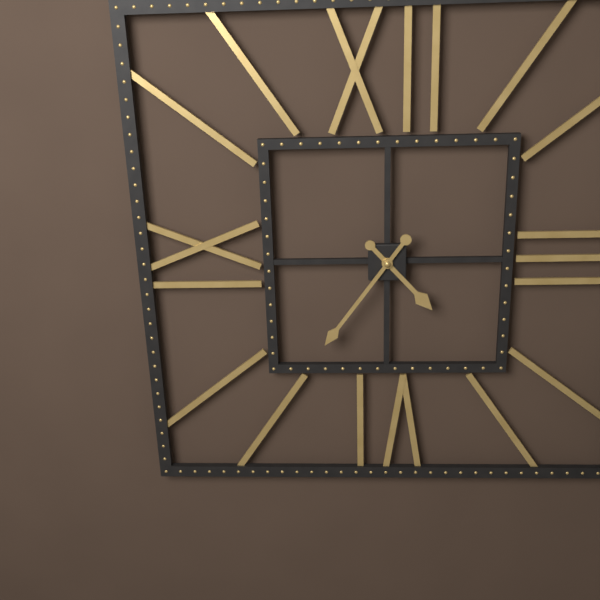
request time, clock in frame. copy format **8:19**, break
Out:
**4:36**
